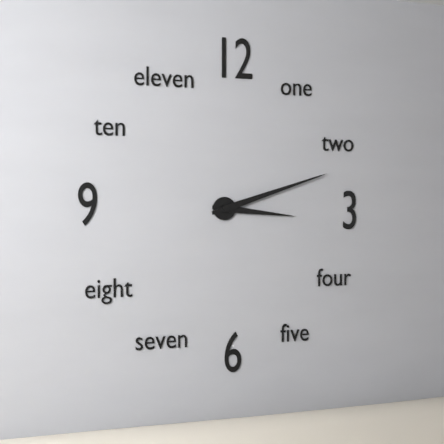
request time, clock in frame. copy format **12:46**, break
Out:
**3:12**
